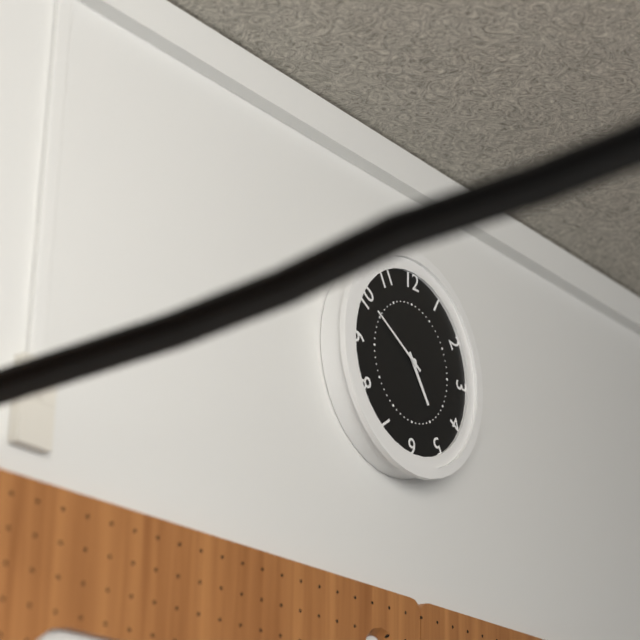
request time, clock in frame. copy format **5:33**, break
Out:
**4:50**
